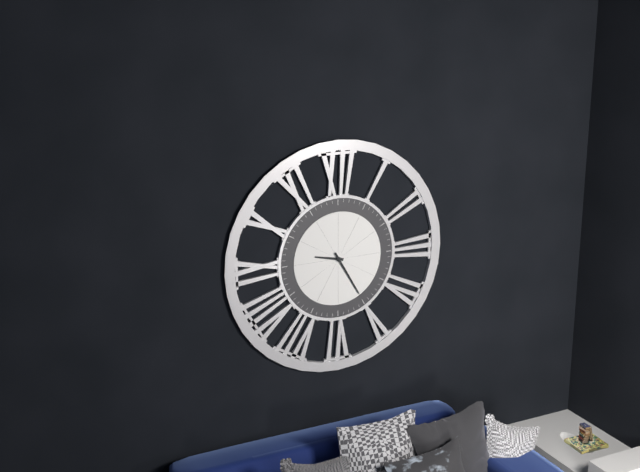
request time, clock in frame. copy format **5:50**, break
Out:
**9:25**
